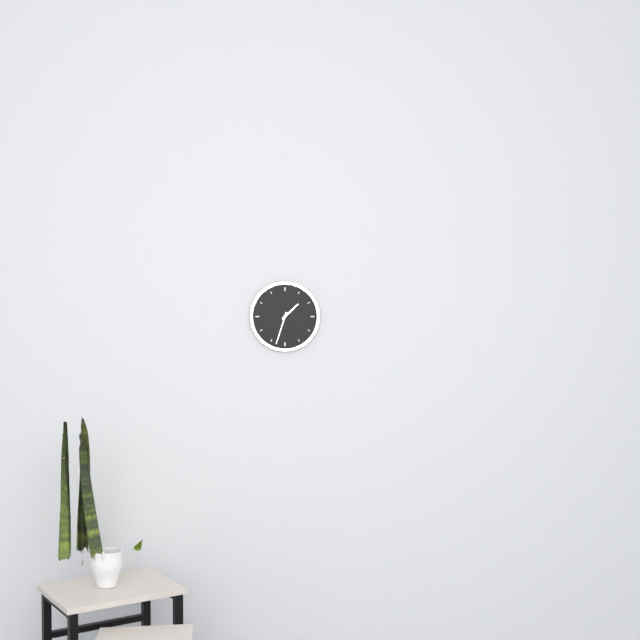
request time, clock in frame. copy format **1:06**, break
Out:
**1:33**
